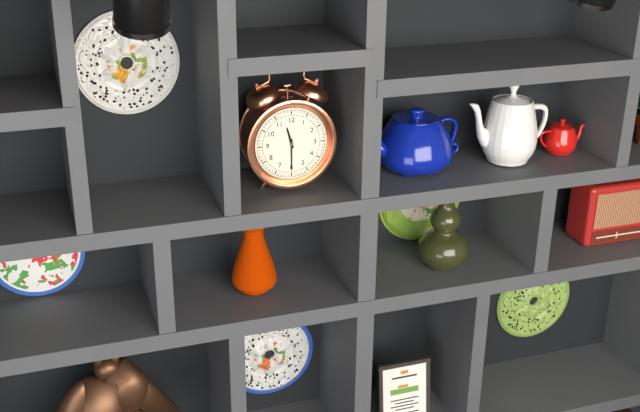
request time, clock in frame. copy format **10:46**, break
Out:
**11:30**
